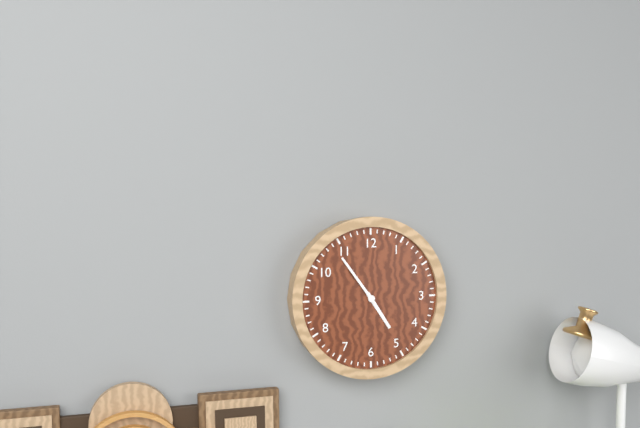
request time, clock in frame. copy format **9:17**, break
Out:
**4:54**
